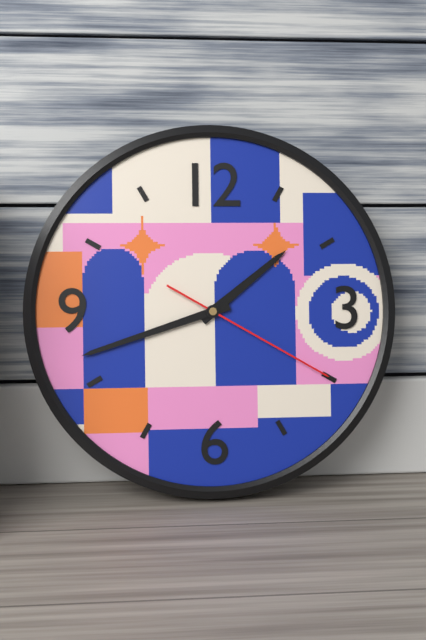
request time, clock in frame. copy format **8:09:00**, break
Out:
**1:42:20**
